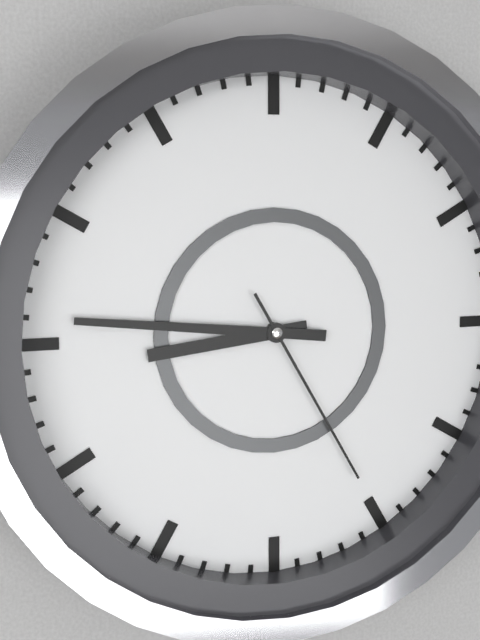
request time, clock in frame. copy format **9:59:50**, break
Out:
**8:46:25**
